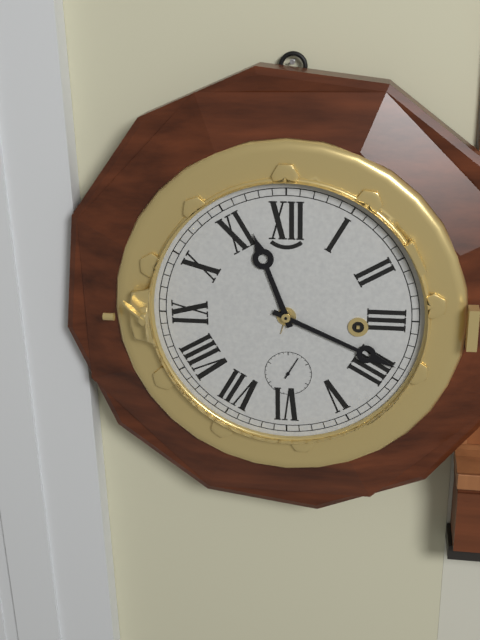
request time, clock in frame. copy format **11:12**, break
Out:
**11:19**
